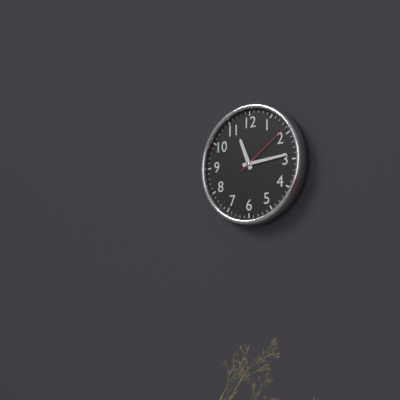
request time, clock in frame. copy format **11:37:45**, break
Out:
**11:14:09**
